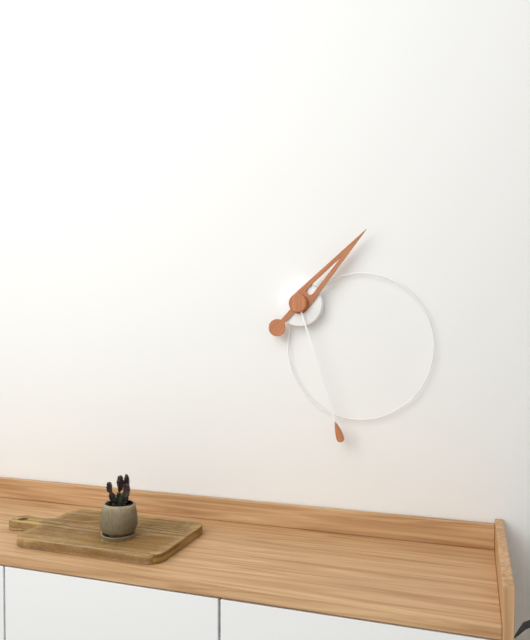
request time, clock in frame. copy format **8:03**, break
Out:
**1:27**
